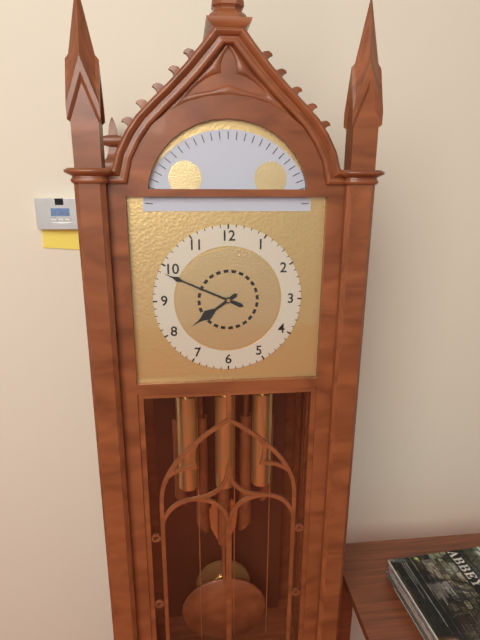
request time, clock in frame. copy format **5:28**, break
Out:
**7:49**
